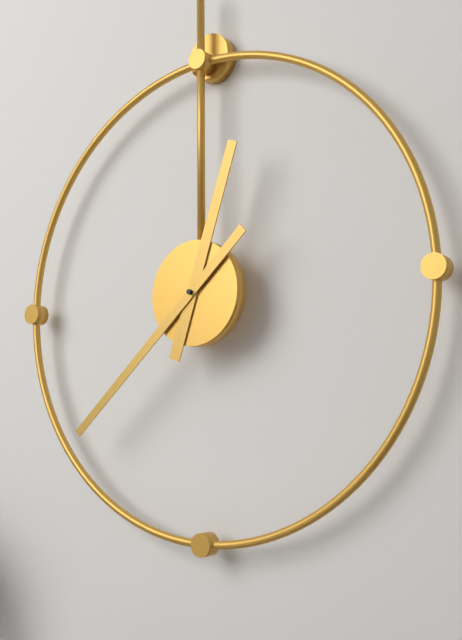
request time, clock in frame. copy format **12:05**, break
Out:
**12:38**
